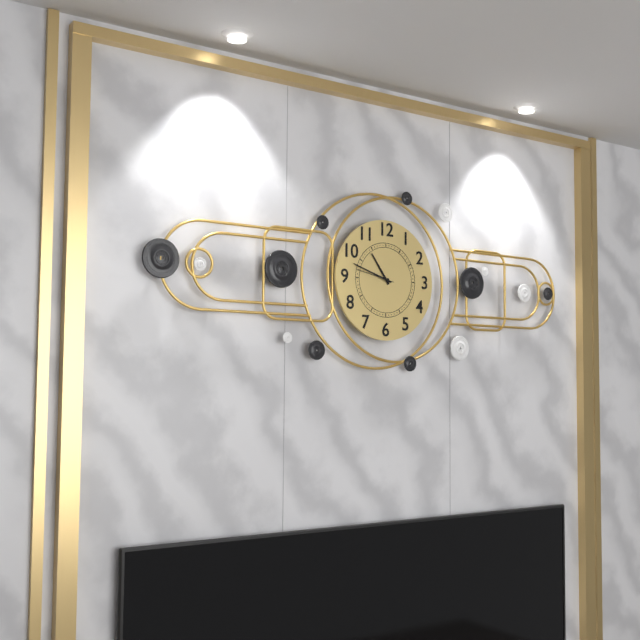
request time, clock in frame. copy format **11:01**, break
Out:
**10:48**
